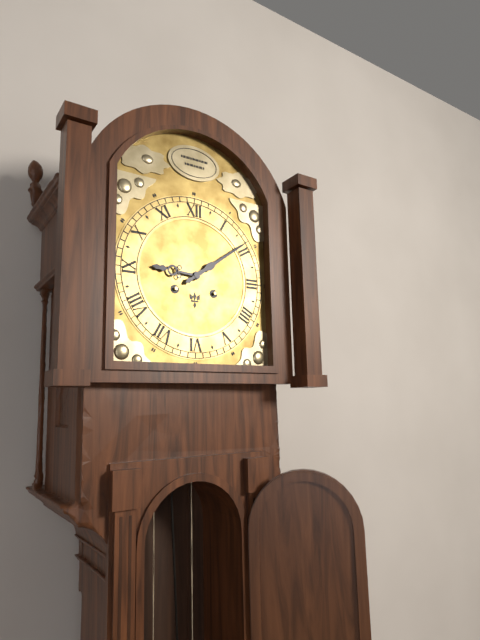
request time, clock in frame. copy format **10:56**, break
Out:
**9:09**
